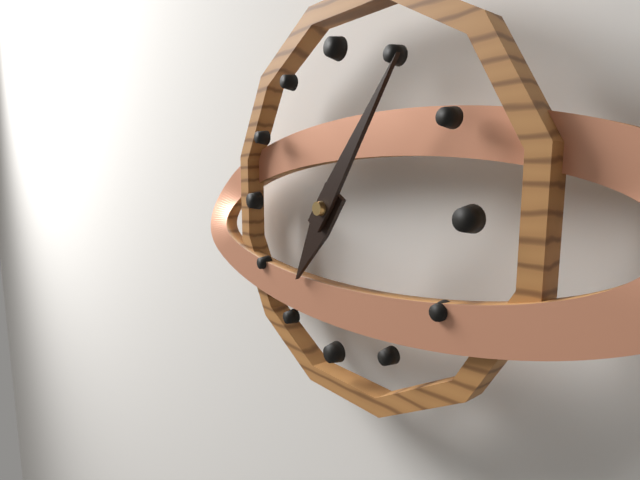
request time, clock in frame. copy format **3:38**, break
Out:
**7:06**
